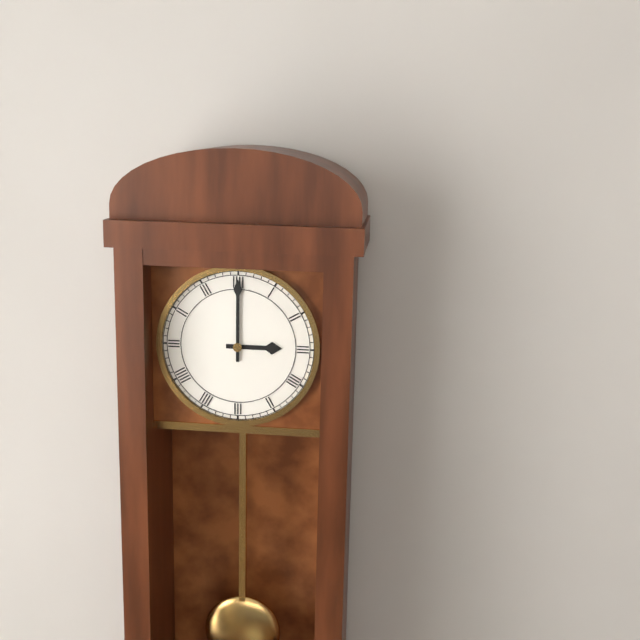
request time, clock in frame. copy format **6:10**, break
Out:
**3:00**
